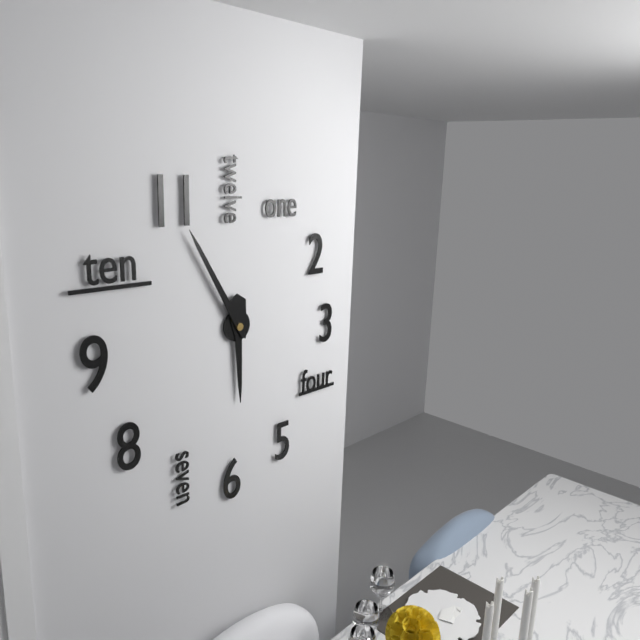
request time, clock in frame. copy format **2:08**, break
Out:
**5:55**
